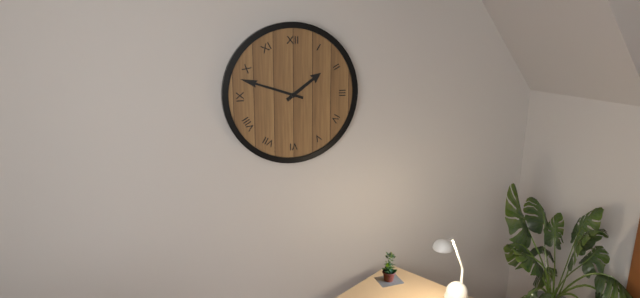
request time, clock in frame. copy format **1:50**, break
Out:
**1:48**
